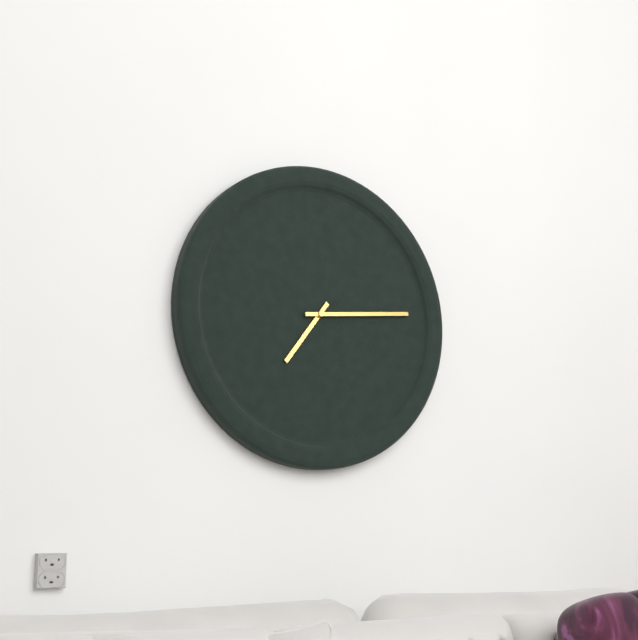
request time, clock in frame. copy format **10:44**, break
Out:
**7:14**
